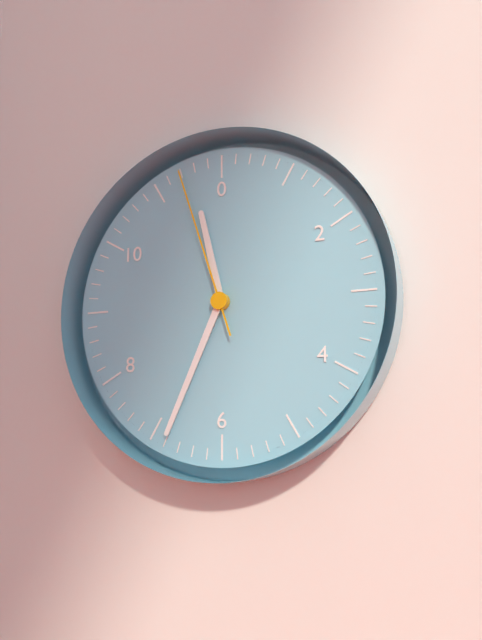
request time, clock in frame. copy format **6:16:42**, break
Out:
**11:34:57**
